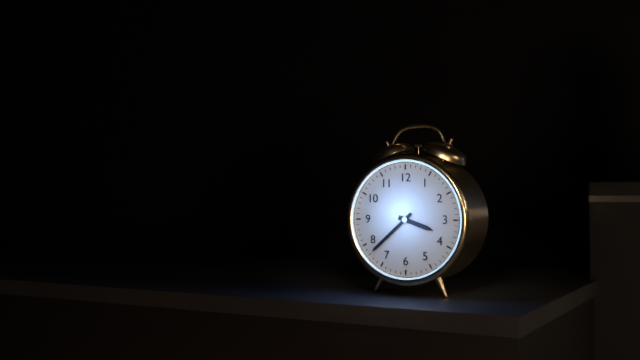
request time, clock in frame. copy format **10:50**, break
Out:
**3:38**
